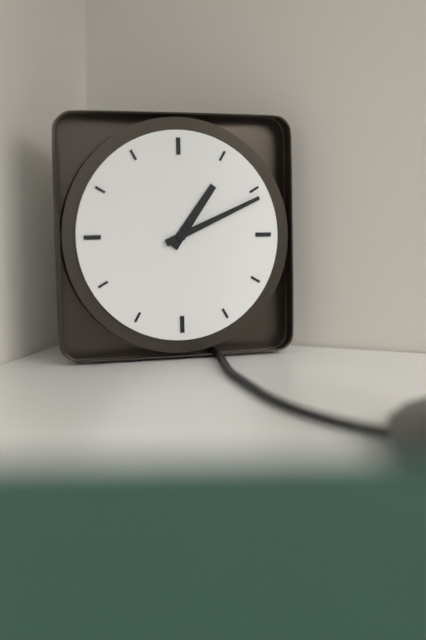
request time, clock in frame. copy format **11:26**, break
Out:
**1:11**
